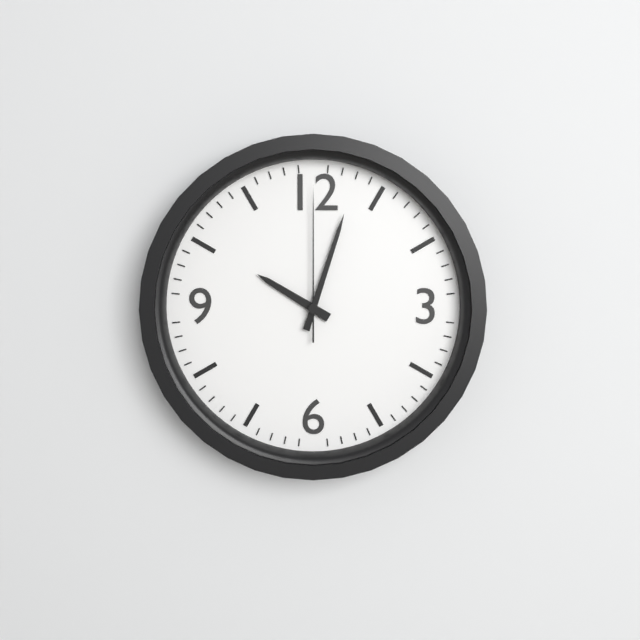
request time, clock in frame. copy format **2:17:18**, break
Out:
**10:03:00**
